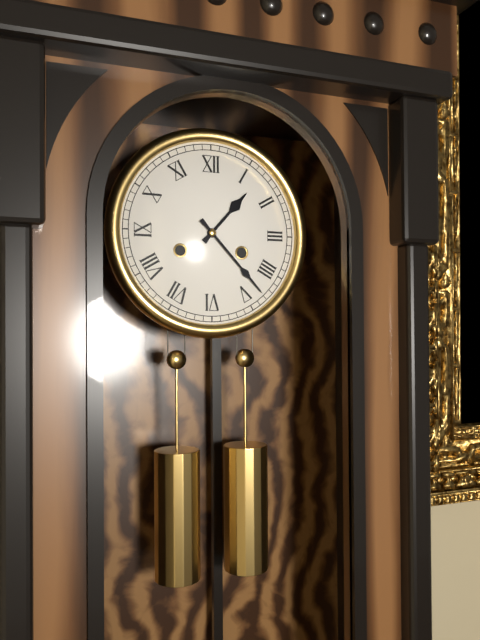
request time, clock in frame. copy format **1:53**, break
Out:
**1:23**
